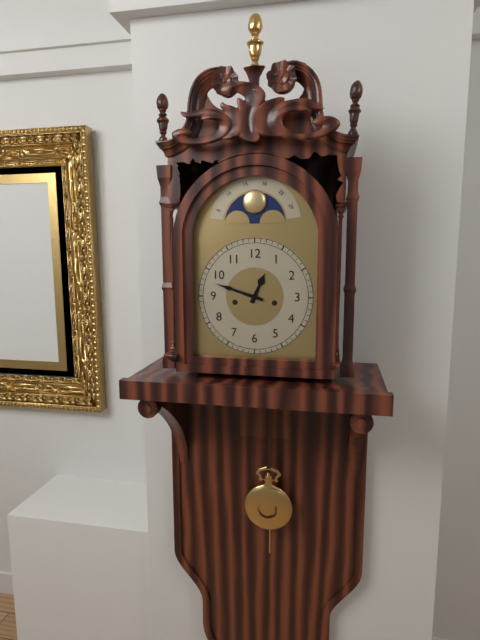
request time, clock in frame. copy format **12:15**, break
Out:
**12:48**
